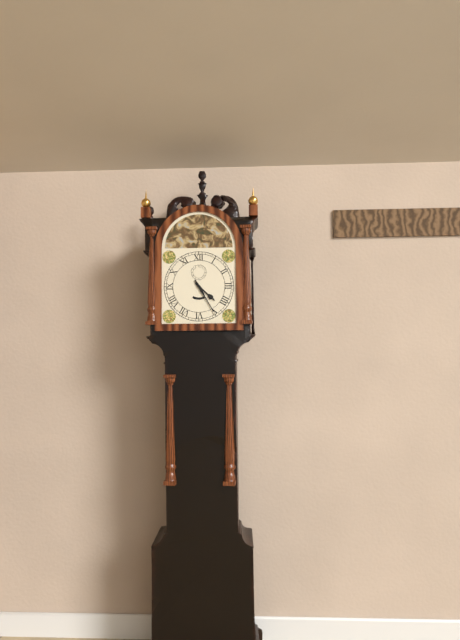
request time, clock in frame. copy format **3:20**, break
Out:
**4:25**
